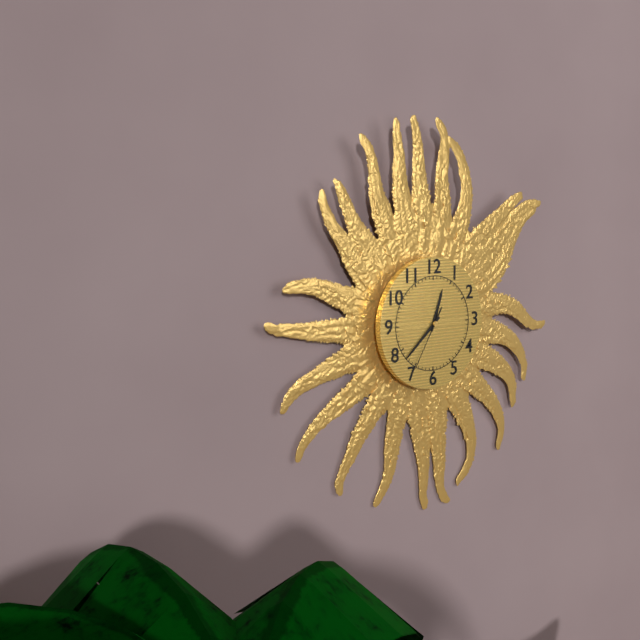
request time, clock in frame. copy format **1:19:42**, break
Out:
**12:38:35**
